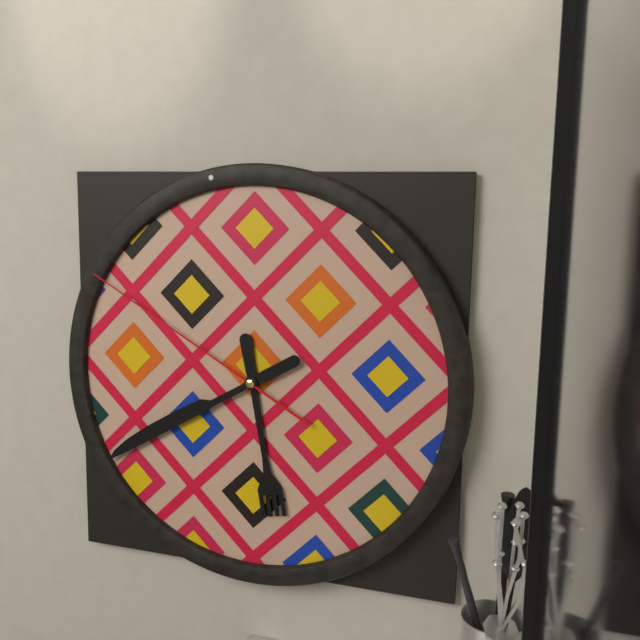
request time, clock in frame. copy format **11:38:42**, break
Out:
**5:40:50**
